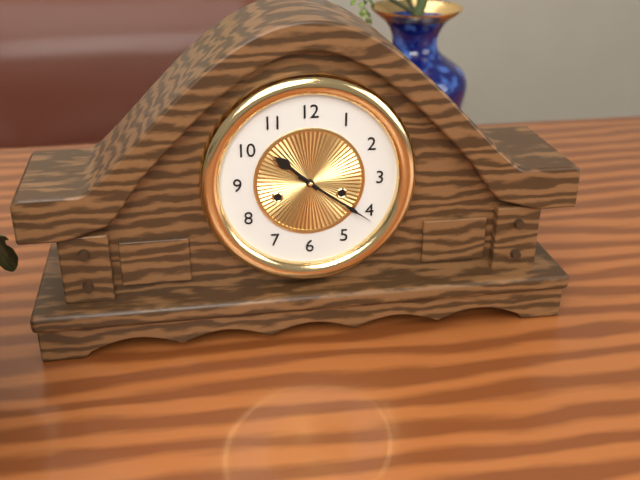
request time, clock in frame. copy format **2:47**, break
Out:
**10:21**
